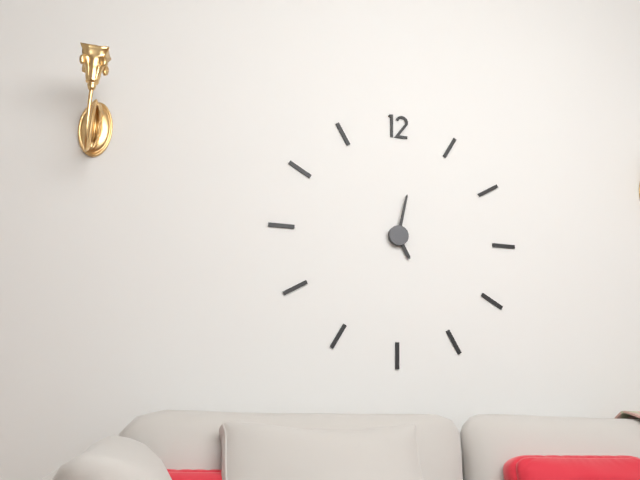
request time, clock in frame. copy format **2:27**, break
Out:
**5:02**
